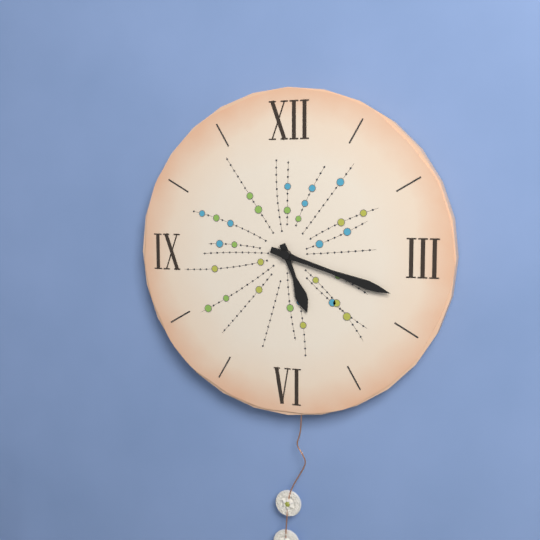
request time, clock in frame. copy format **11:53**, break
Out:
**5:18**
